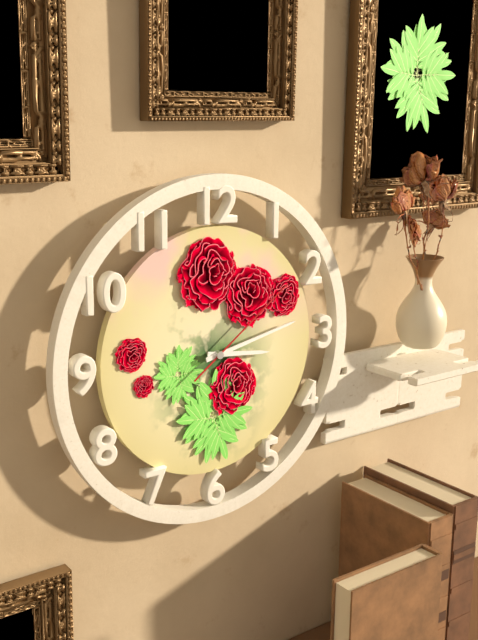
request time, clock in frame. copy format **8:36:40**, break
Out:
**3:13:09**
